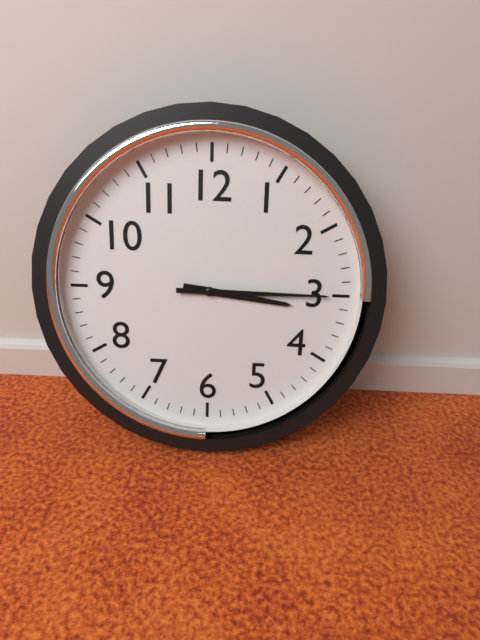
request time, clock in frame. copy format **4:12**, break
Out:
**3:15**
